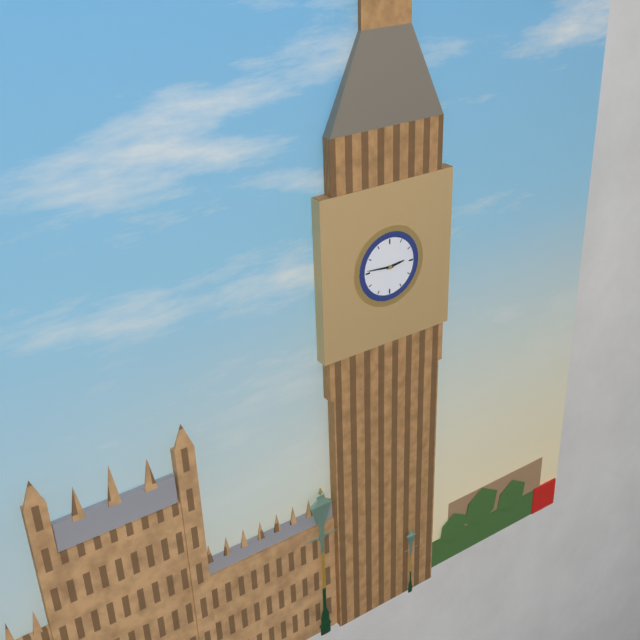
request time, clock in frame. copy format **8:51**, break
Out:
**2:46**
